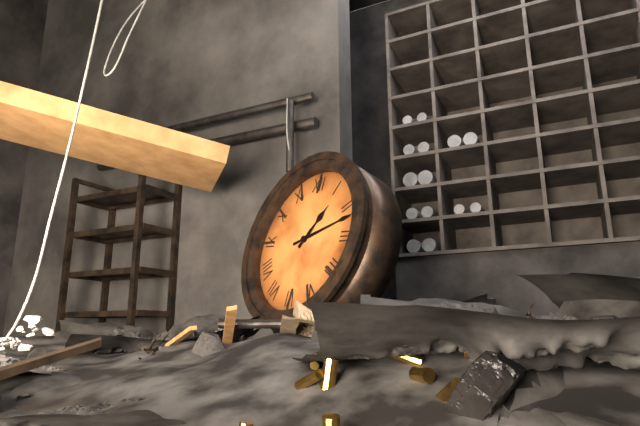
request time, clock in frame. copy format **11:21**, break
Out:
**1:12**
